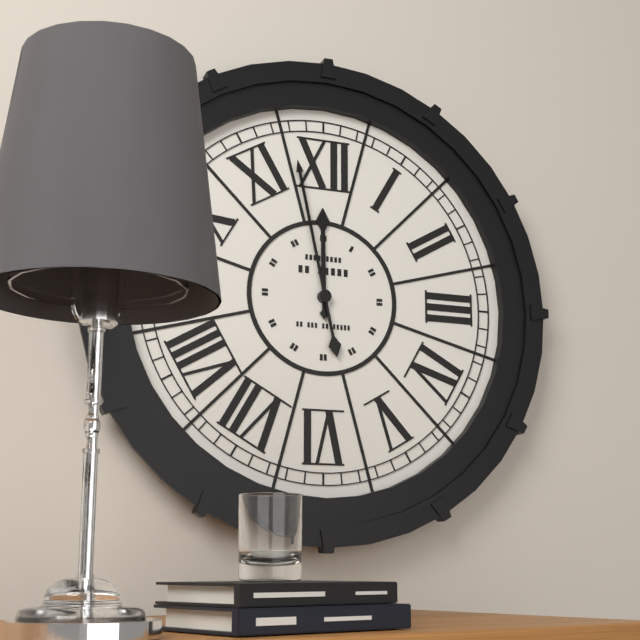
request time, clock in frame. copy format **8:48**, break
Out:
**11:58**
